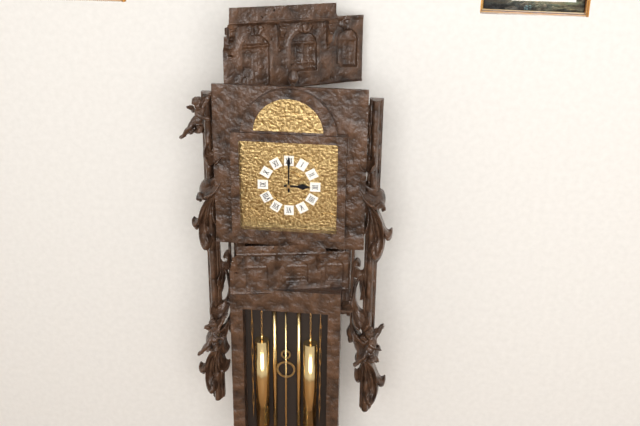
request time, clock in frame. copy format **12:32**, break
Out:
**3:00**
